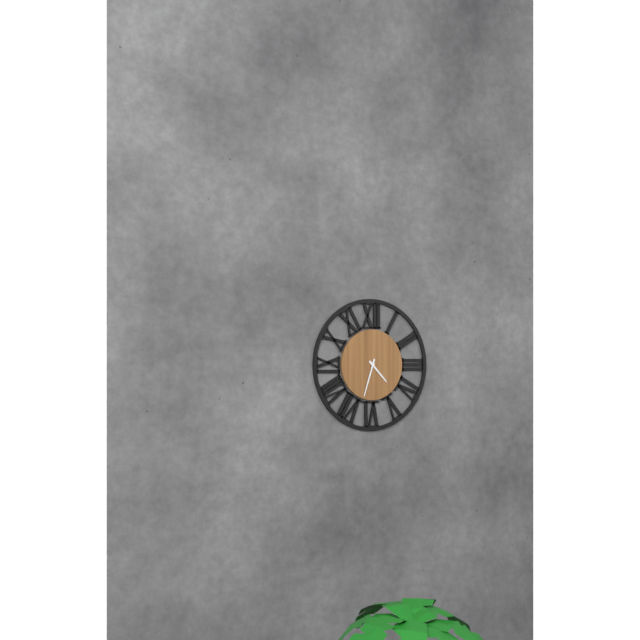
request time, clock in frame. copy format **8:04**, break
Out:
**4:33**
